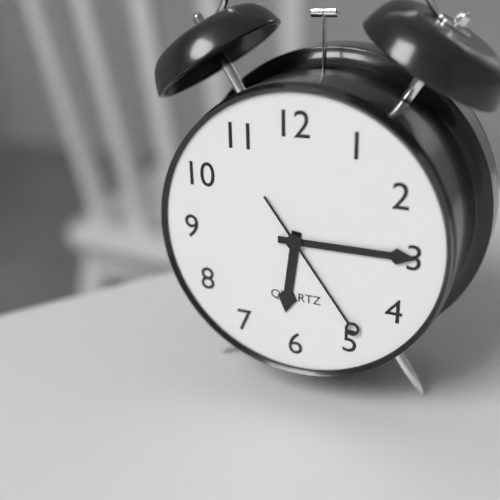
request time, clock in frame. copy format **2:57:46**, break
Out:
**6:15:24**
